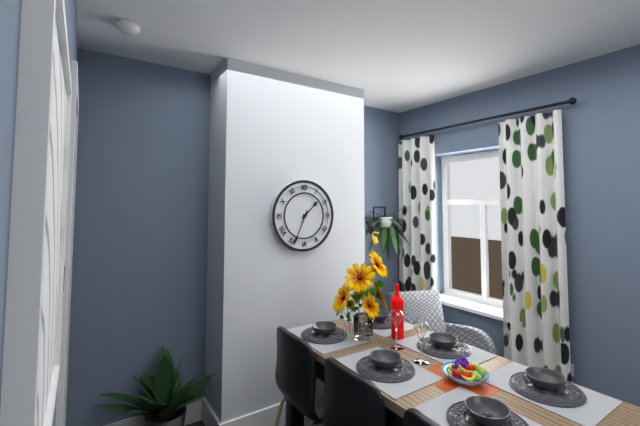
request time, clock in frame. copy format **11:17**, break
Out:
**1:34**
